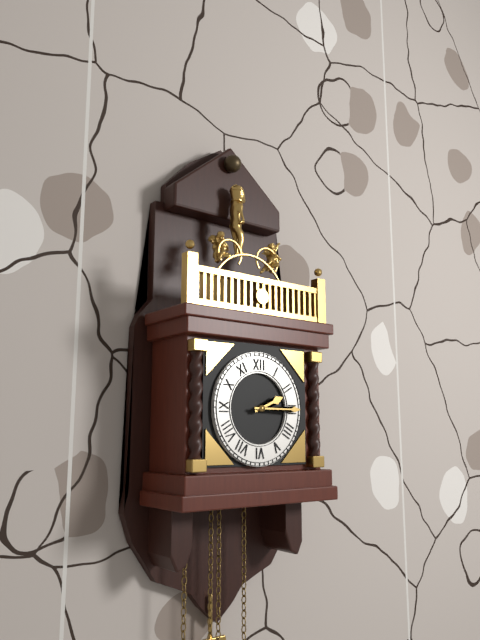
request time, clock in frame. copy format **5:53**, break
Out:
**2:15**
